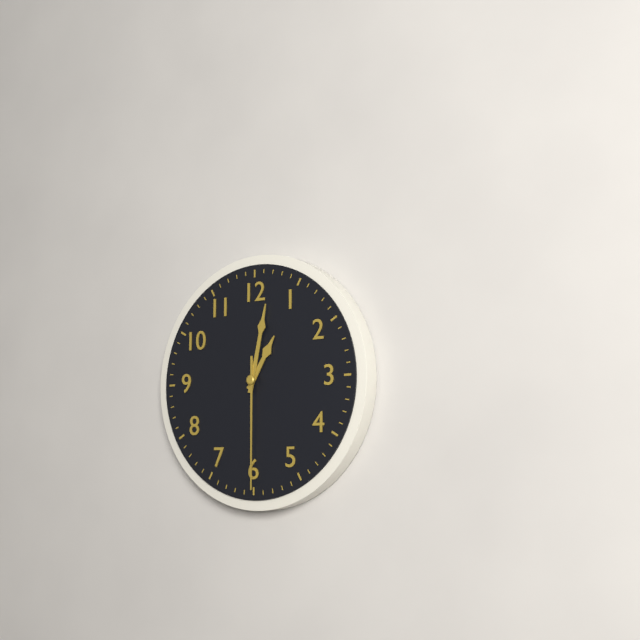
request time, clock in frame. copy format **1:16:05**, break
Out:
**1:02:30**
